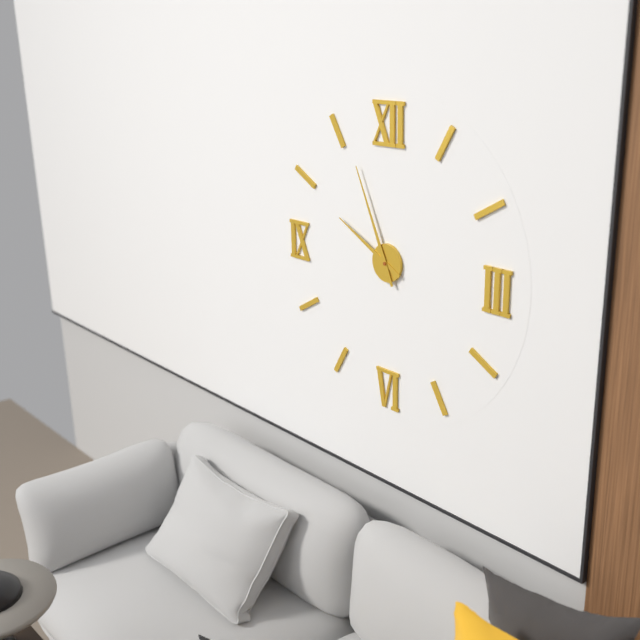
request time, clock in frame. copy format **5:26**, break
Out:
**9:56**
